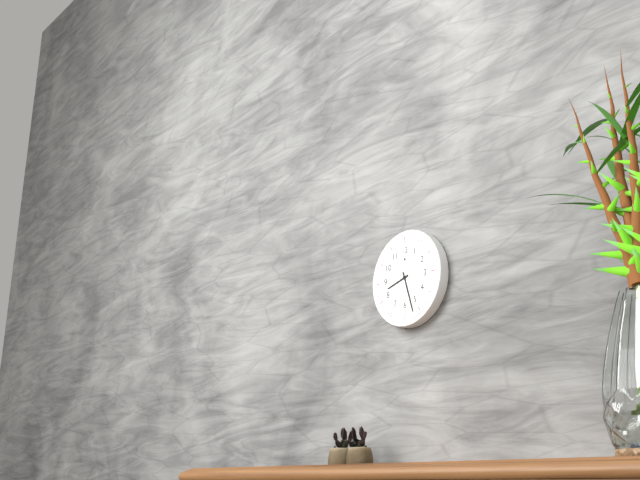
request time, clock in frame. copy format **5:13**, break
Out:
**8:27**
